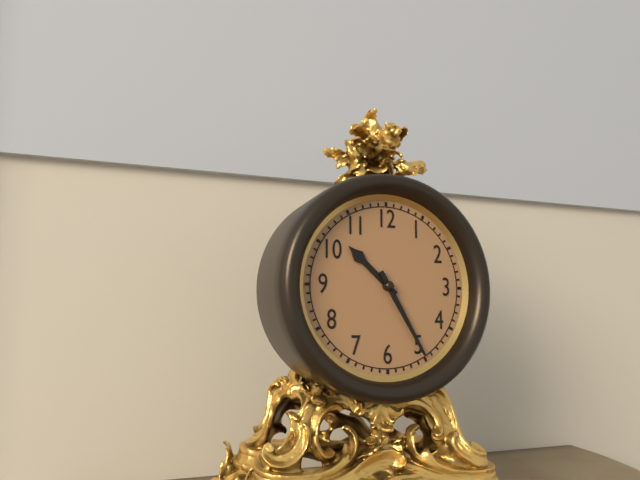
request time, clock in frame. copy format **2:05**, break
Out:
**10:25**
